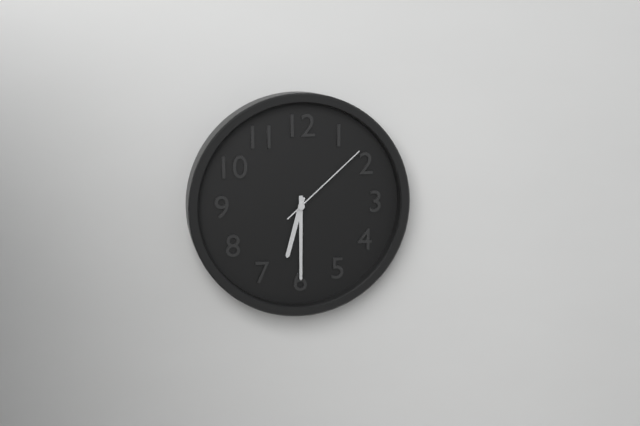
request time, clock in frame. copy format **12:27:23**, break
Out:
**6:30:08**
